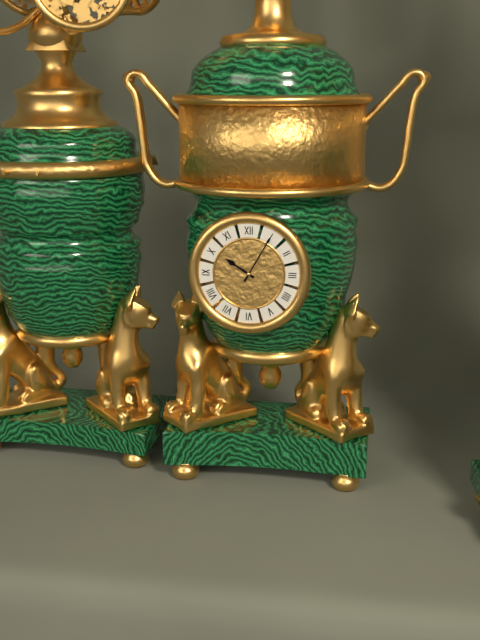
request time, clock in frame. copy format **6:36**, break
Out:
**10:05**
